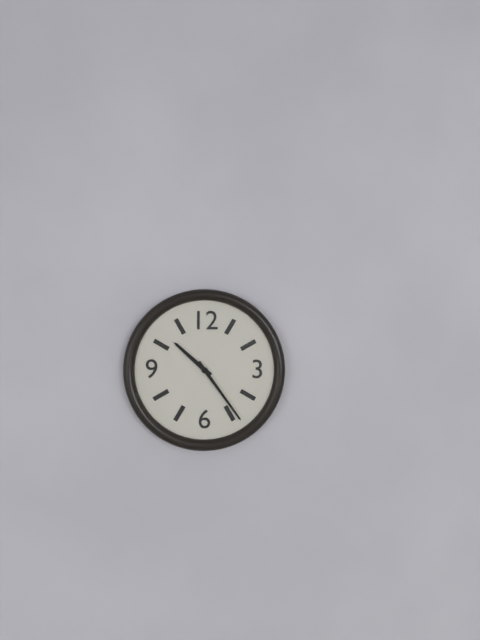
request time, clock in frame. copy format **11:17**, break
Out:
**10:24**
